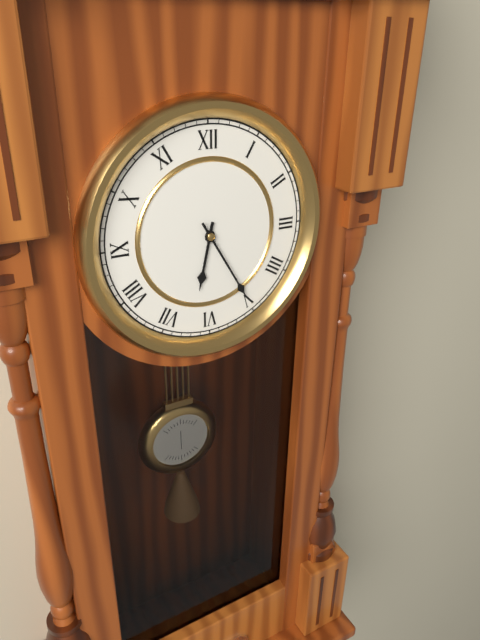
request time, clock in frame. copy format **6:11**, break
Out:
**6:25**
